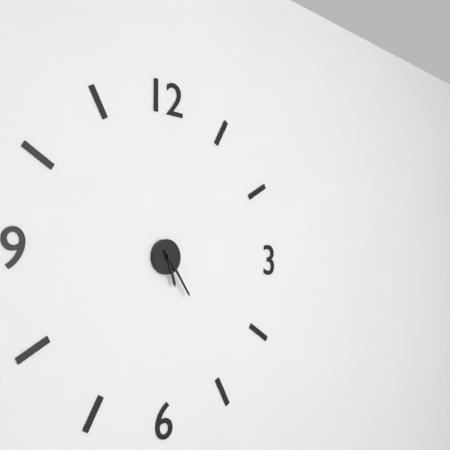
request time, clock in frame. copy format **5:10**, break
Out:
**5:24**
